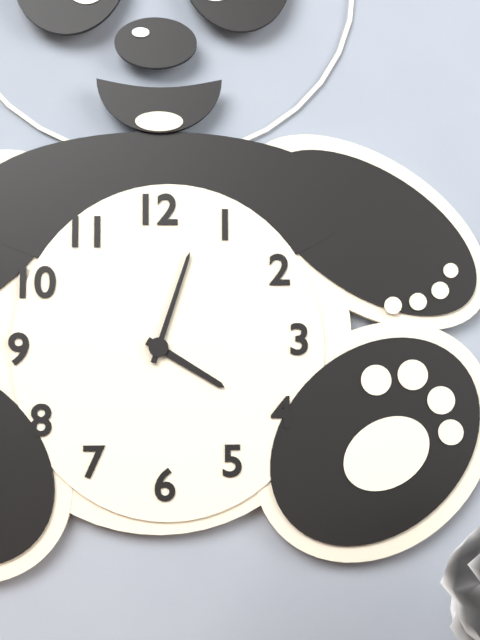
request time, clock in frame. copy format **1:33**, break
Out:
**4:03**
